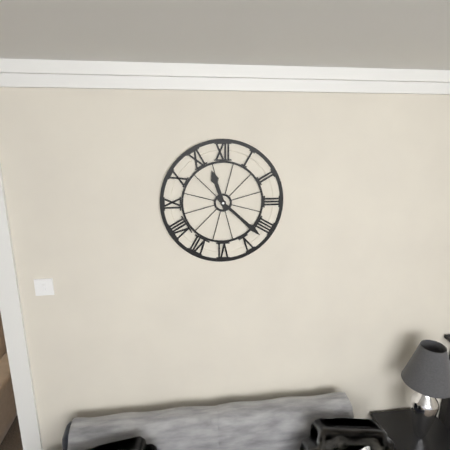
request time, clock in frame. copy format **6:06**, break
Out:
**11:22**
